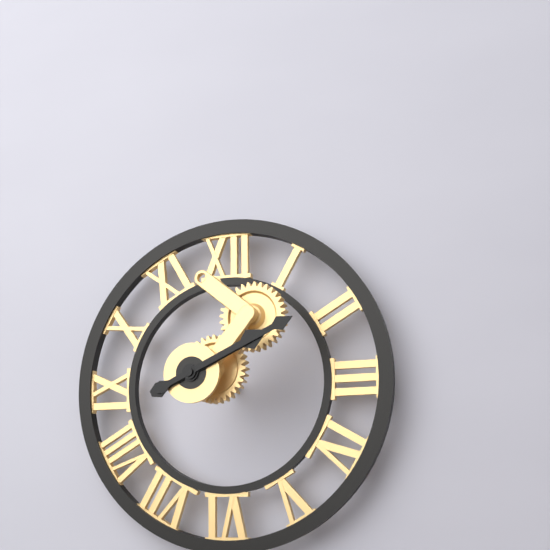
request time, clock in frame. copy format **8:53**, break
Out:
**2:11**
